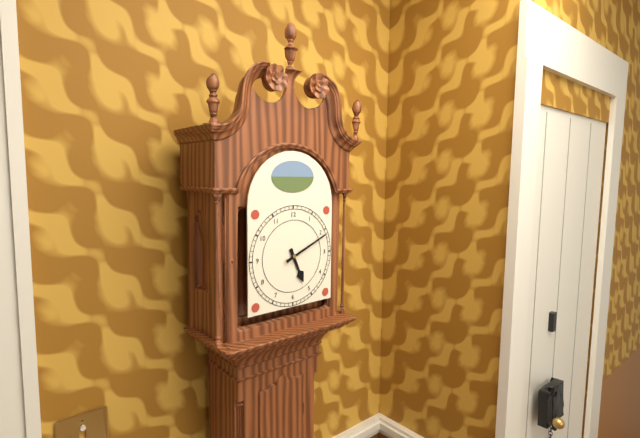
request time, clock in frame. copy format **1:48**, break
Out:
**5:11**
